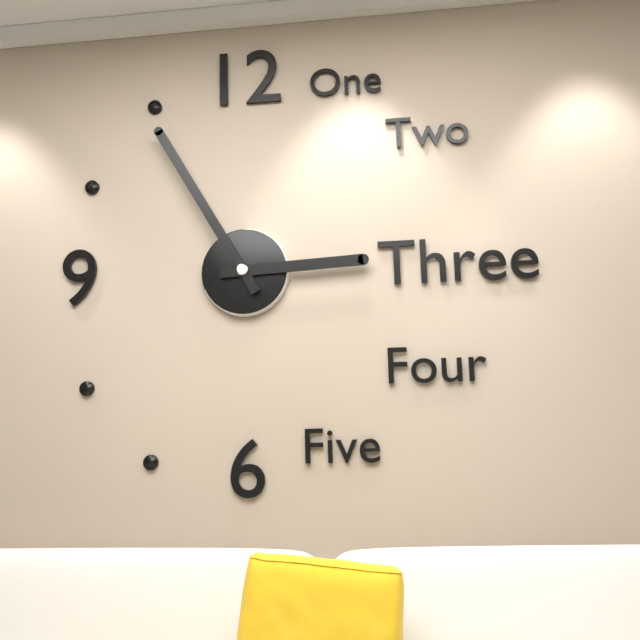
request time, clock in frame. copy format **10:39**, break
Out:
**2:55**
